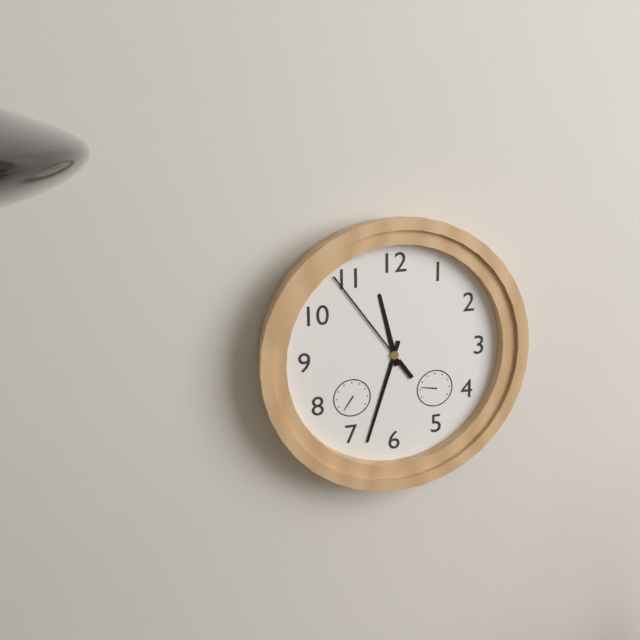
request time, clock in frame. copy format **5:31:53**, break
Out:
**11:33:54**
